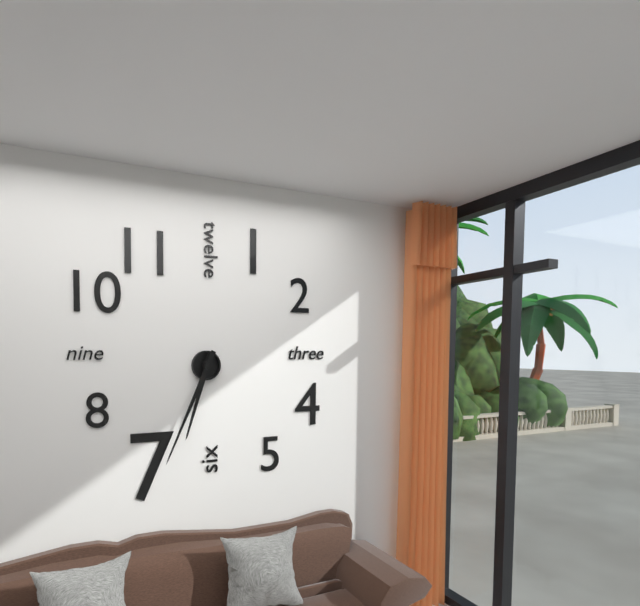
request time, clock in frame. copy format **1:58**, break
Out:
**6:34**
